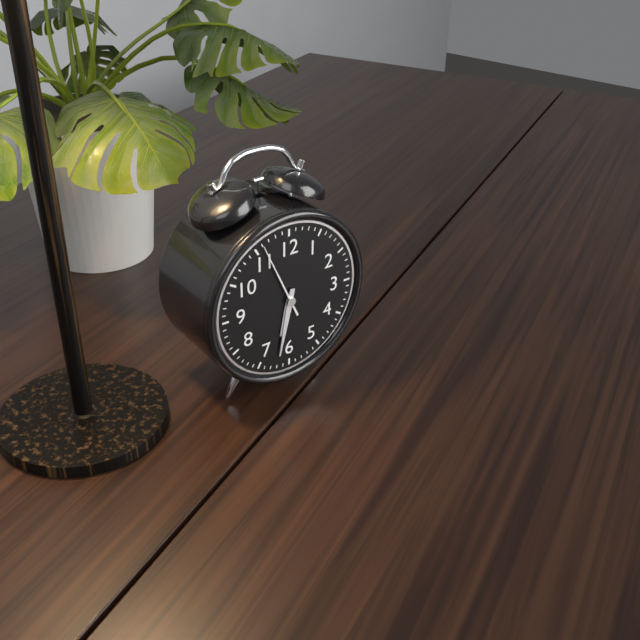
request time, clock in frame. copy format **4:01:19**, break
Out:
**6:32:56**
